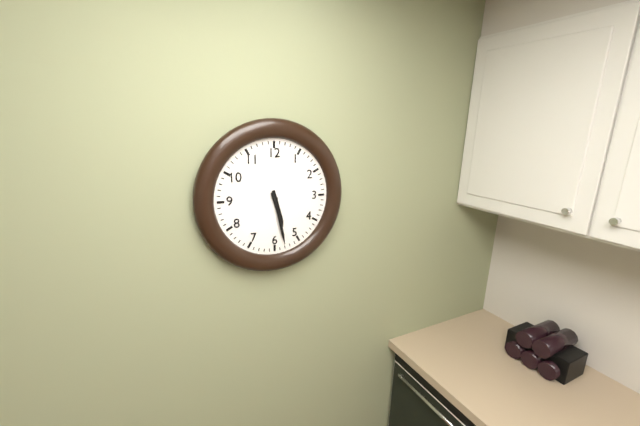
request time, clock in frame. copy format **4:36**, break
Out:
**5:28**
